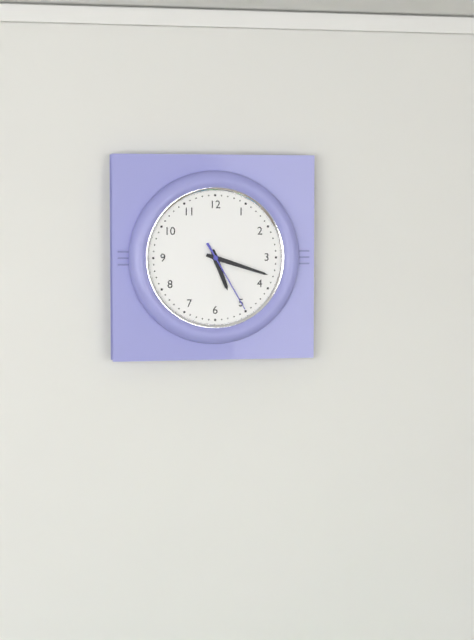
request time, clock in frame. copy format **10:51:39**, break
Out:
**5:18:25**
